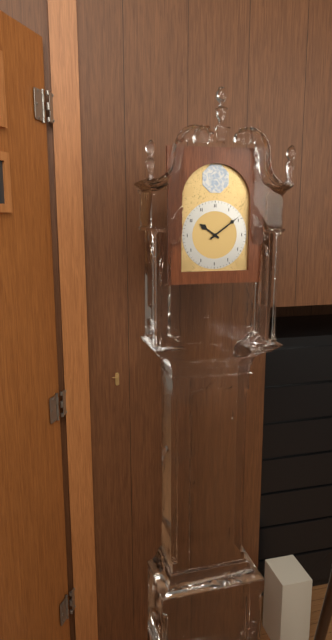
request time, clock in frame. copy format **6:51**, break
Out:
**10:09**
